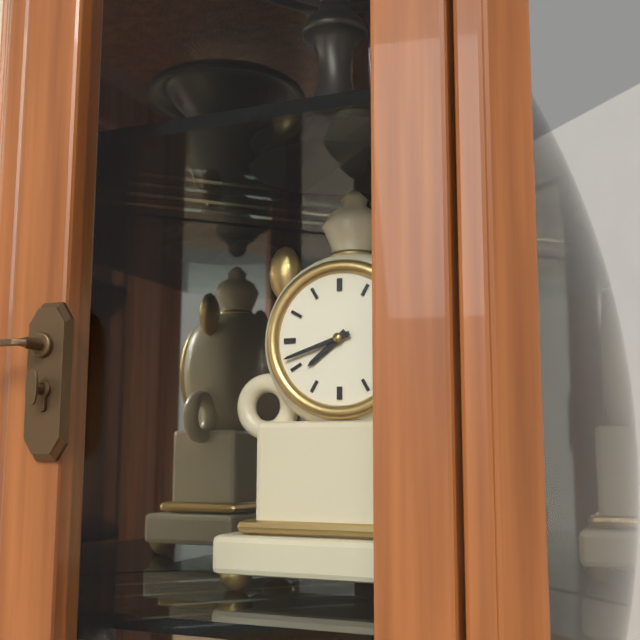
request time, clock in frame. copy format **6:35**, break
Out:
**7:42**
